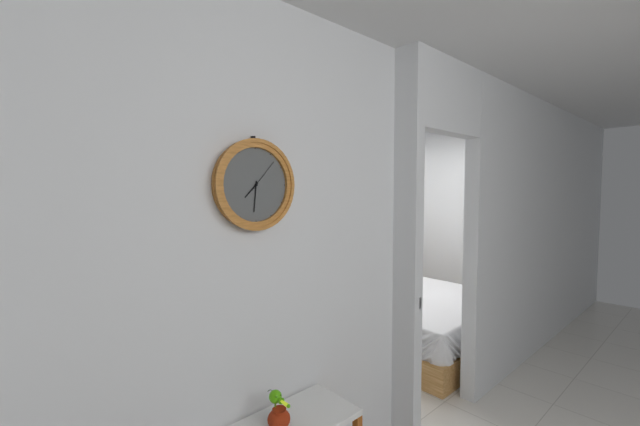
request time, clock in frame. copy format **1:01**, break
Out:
**7:31**
